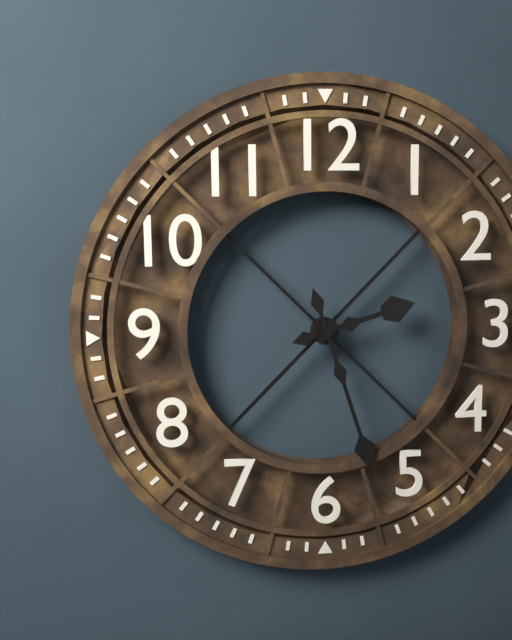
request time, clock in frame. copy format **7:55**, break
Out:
**2:27**
